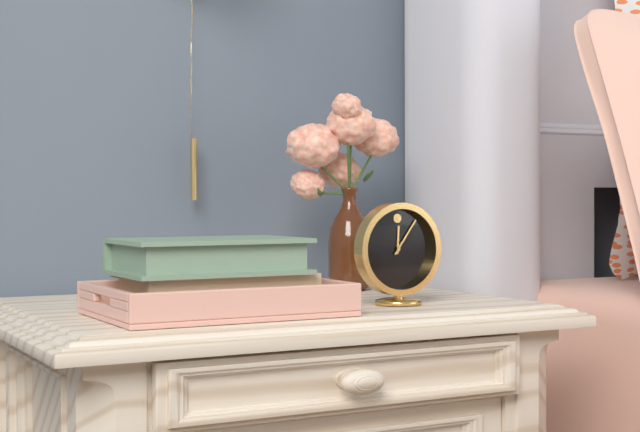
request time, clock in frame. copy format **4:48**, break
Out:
**12:06**
